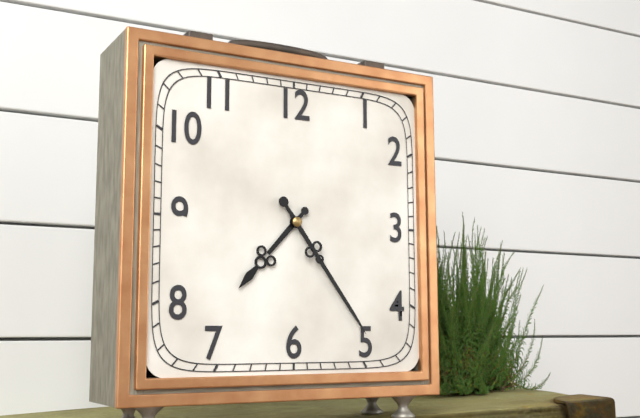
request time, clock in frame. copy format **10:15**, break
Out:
**7:24**
